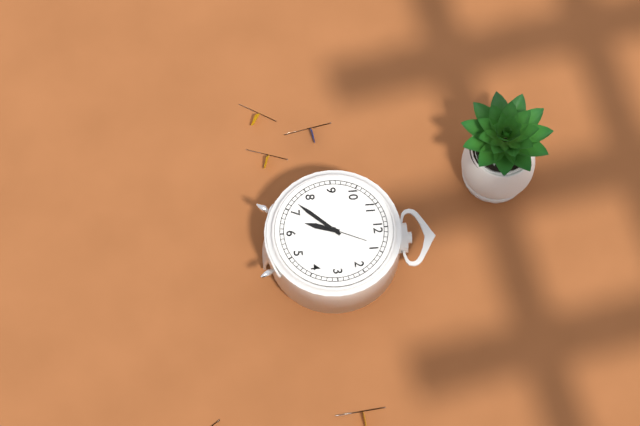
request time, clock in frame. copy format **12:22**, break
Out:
**6:37**
